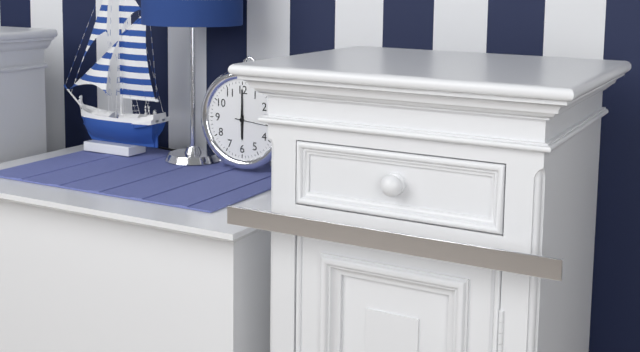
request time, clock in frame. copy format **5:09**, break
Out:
**6:00**
